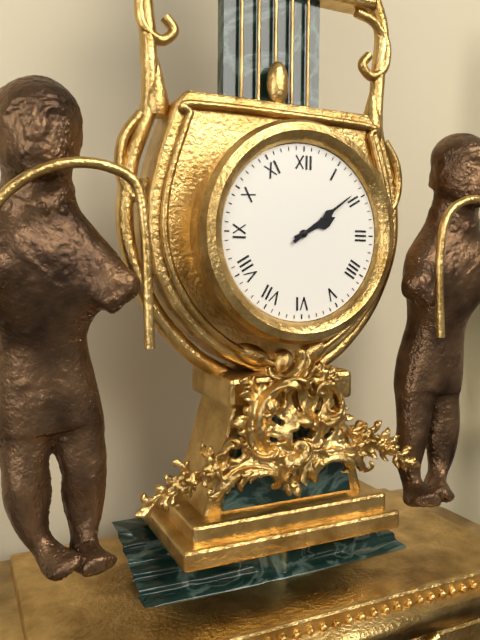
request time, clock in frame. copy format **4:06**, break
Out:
**2:09**
